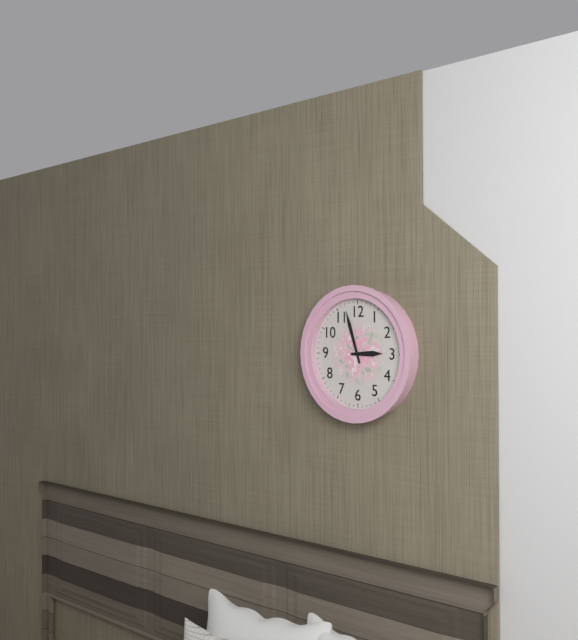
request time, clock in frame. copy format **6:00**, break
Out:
**2:57**
